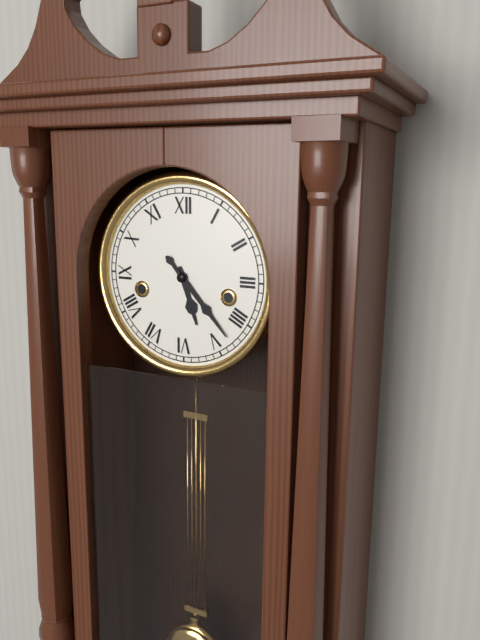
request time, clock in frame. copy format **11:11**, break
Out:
**5:23**
